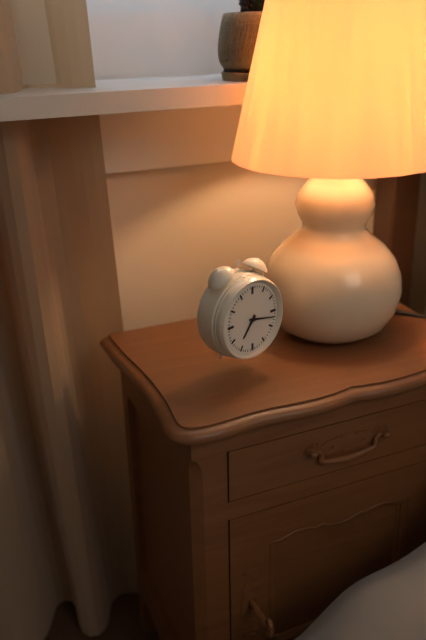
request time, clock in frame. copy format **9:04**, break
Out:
**7:17**
